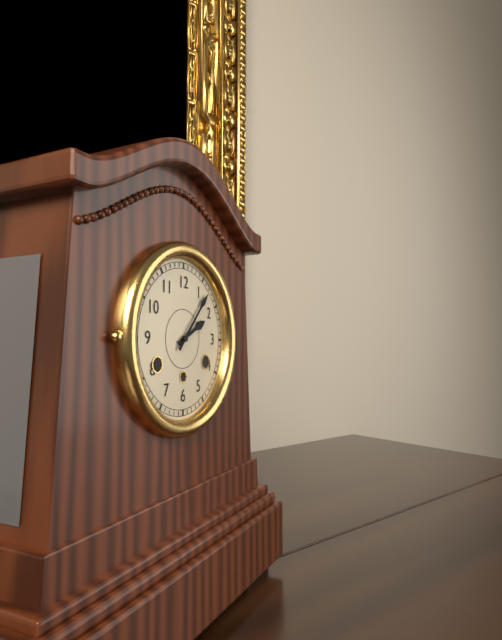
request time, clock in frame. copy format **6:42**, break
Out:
**2:07**
